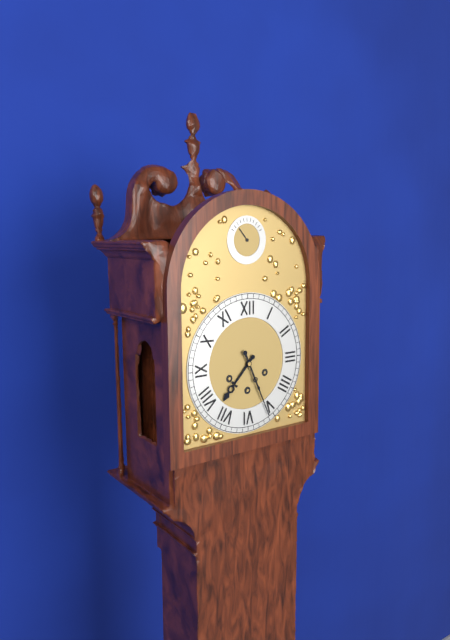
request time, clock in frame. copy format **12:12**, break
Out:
**7:26**
